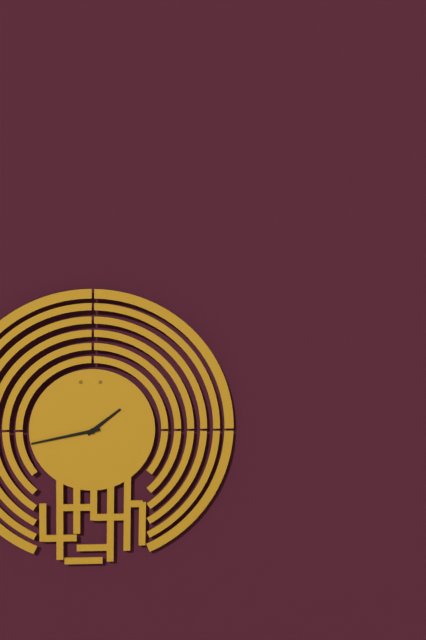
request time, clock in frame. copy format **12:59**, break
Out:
**1:43**
